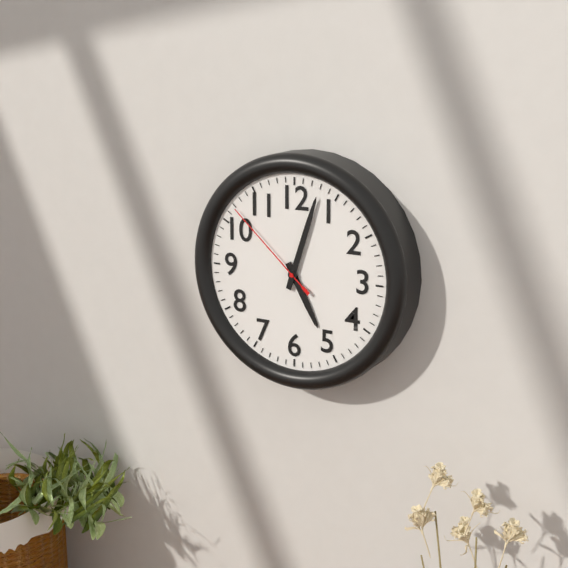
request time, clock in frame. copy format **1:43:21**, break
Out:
**5:03:52**
